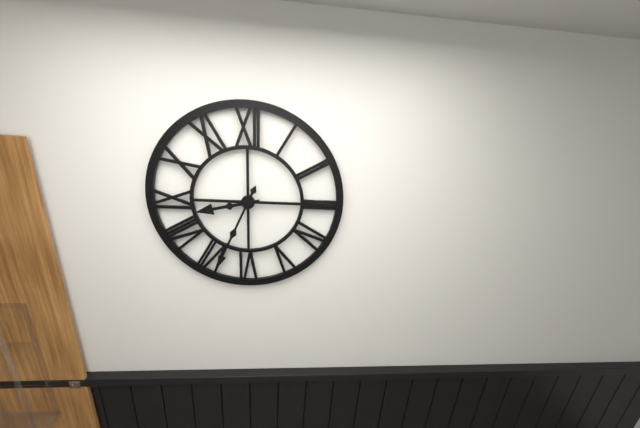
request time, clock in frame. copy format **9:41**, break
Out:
**8:34**
